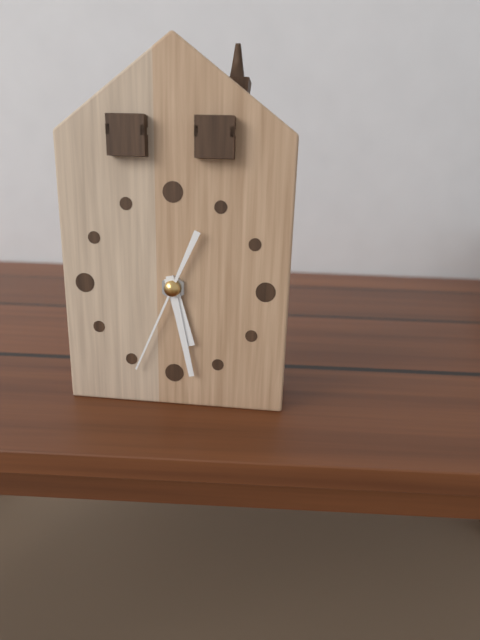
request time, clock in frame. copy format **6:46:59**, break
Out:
**5:28:34**
